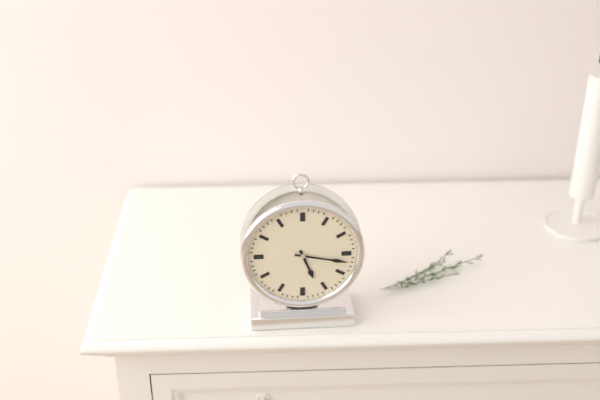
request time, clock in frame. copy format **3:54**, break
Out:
**5:17**
